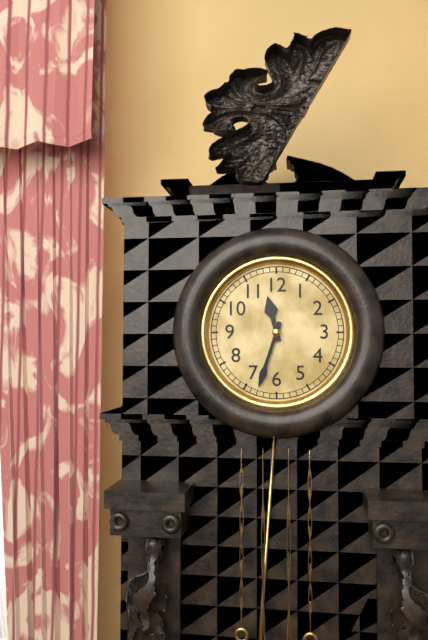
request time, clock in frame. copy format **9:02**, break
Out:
**11:33**
